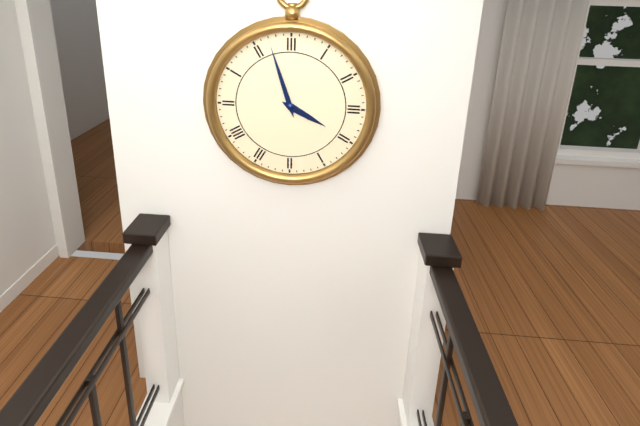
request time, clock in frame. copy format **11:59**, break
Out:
**3:57**
